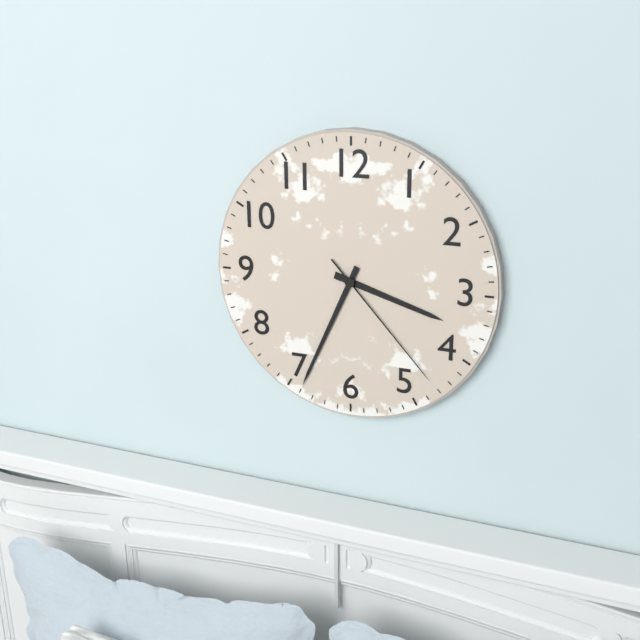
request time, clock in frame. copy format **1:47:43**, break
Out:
**3:34:23**
